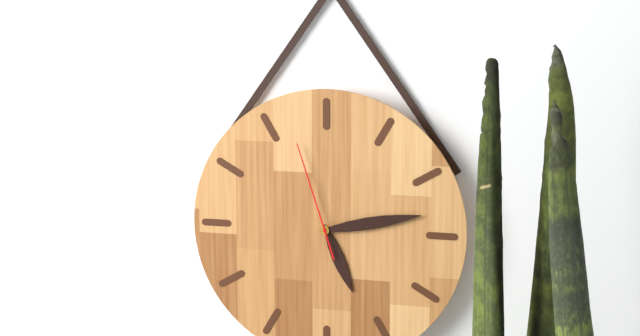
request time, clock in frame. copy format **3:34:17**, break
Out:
**5:13:57**
